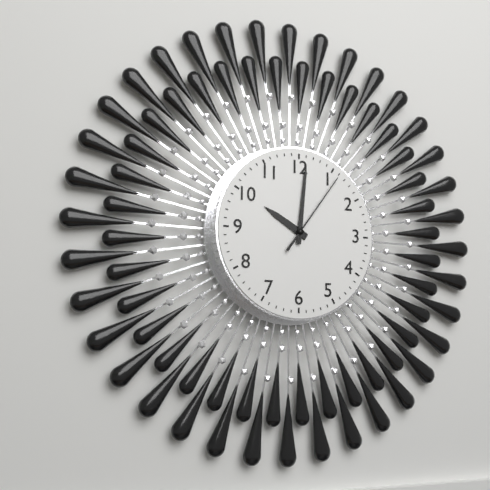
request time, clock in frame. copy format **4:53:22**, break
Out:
**10:01:06**
